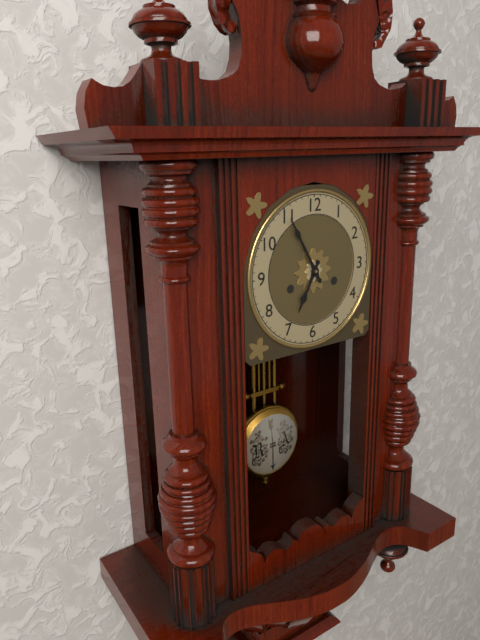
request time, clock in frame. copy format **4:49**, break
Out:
**6:55**
